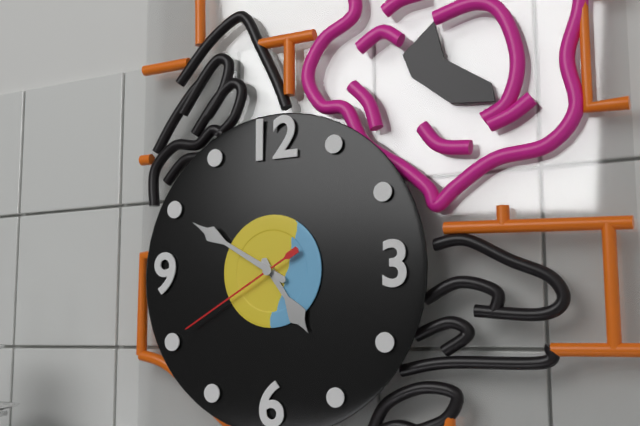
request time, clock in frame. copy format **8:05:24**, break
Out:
**4:50:40**
